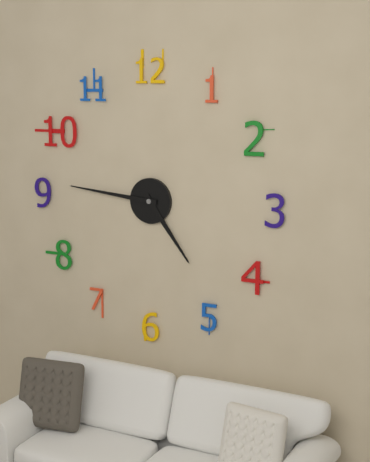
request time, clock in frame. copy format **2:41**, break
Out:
**4:46**
